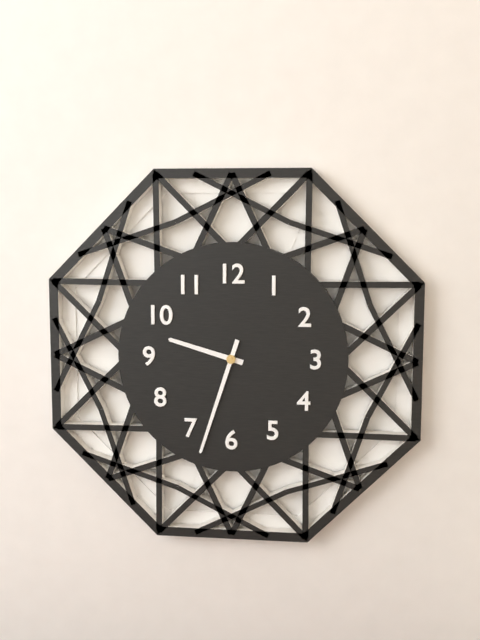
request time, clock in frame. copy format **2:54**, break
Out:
**9:33**
